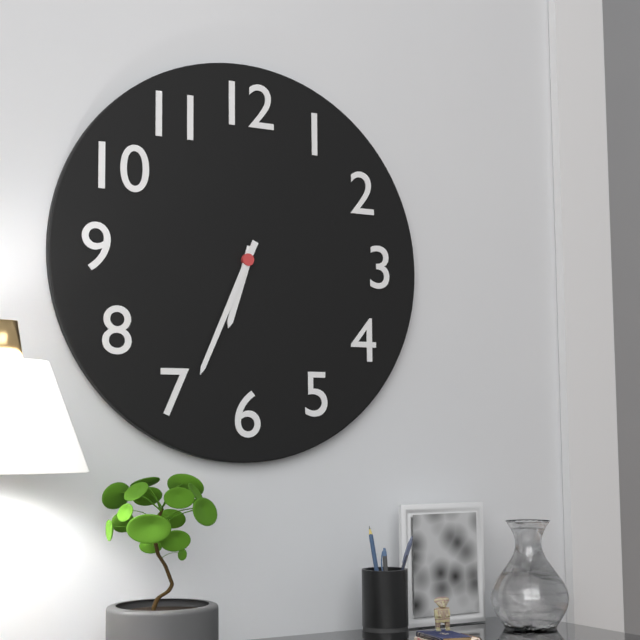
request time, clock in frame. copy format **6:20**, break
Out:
**6:34**
